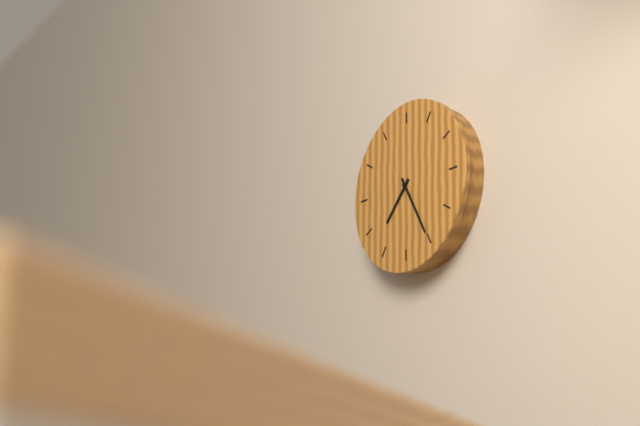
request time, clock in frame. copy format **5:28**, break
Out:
**7:25**
